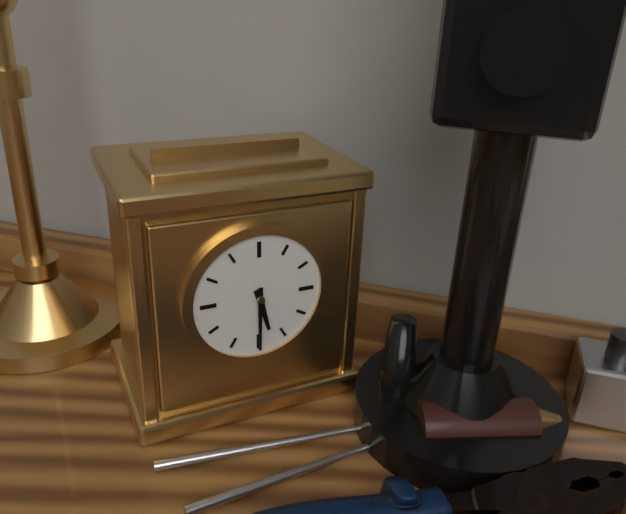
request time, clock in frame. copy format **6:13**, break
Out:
**5:30**
